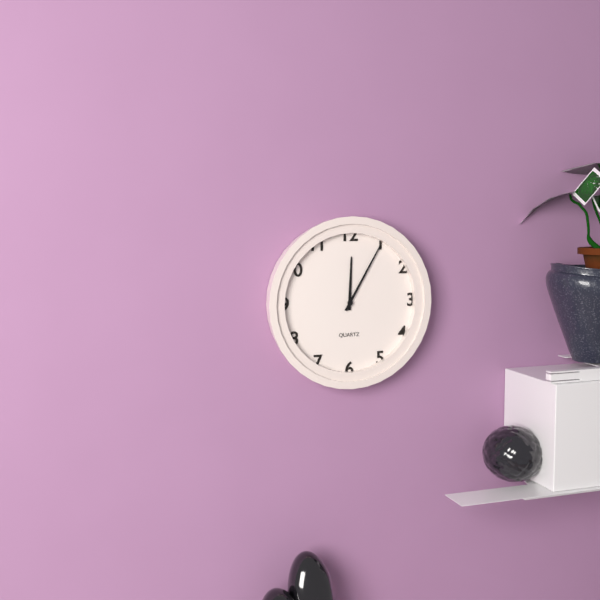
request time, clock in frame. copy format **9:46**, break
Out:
**12:05**
